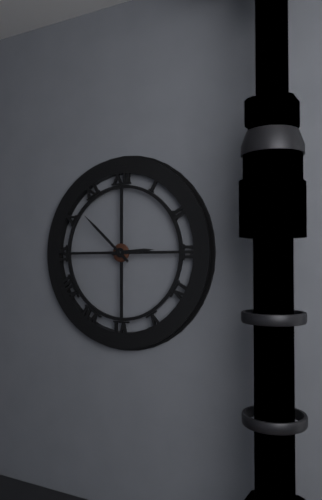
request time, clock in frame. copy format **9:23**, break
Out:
**2:52**
